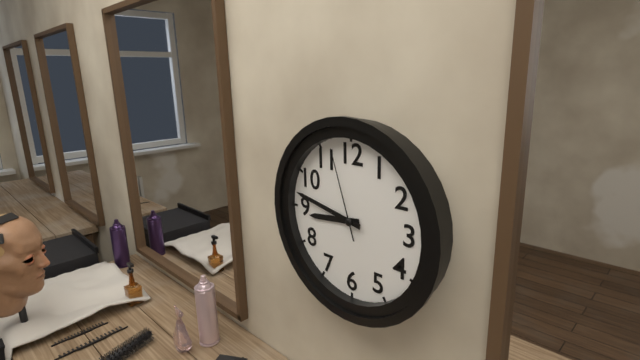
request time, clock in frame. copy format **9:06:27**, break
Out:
**8:47:57**
